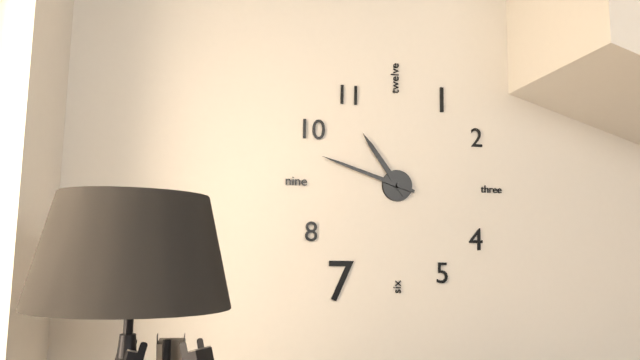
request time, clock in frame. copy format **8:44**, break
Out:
**10:48**
